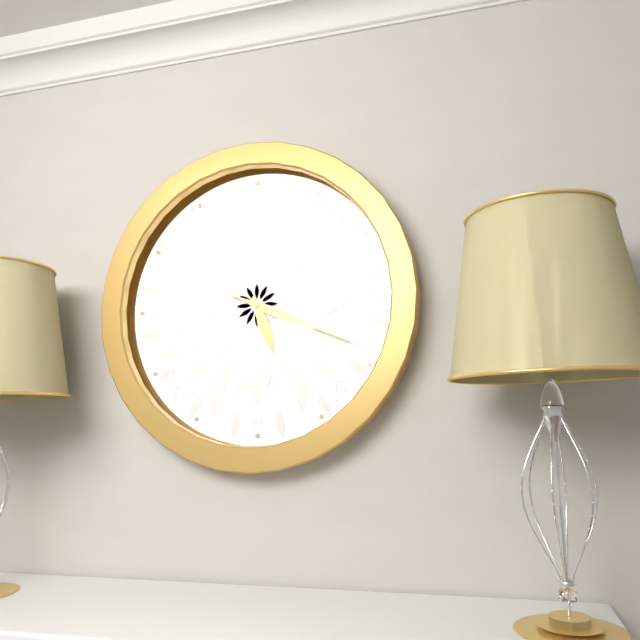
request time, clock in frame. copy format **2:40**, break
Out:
**5:19**
